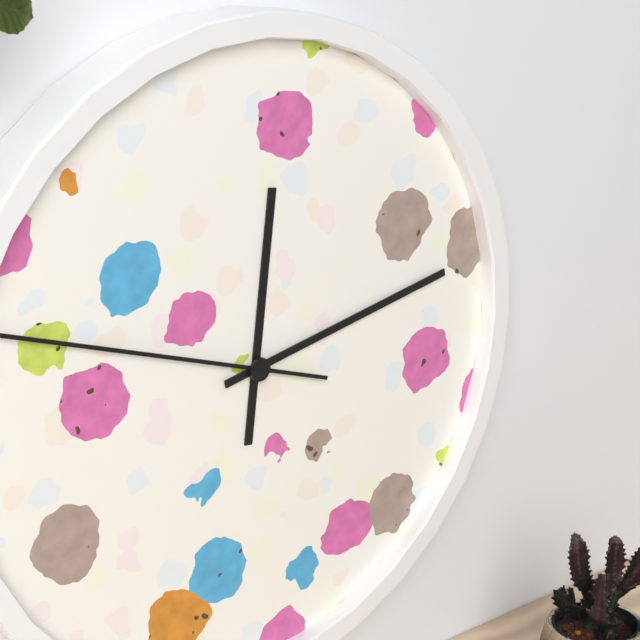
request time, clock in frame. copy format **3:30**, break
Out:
**12:13**
